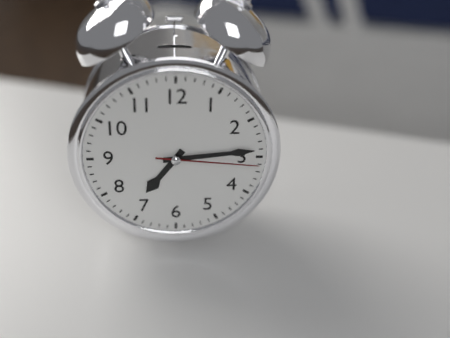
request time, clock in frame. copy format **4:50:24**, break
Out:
**7:14:16**
